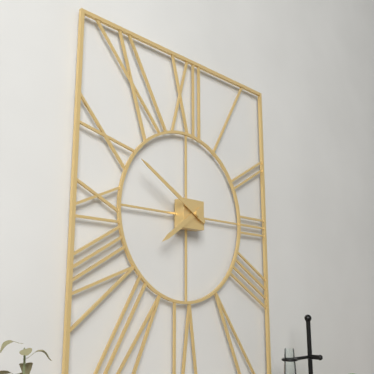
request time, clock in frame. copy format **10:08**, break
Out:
**7:50**
